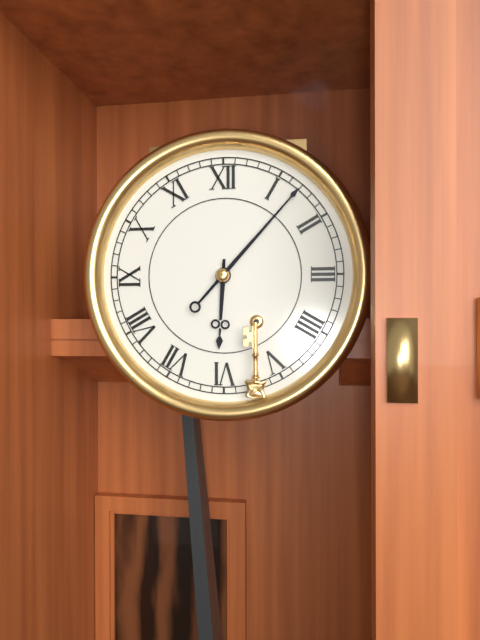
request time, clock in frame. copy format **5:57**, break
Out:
**6:07**
